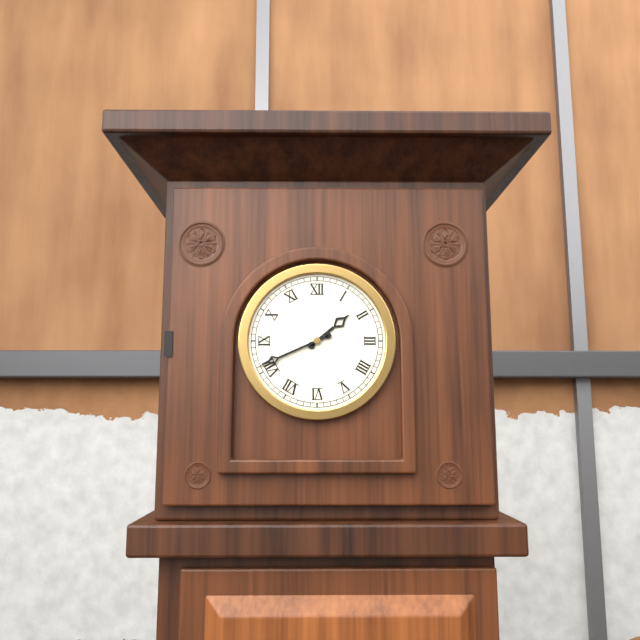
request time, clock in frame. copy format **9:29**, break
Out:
**1:41**
